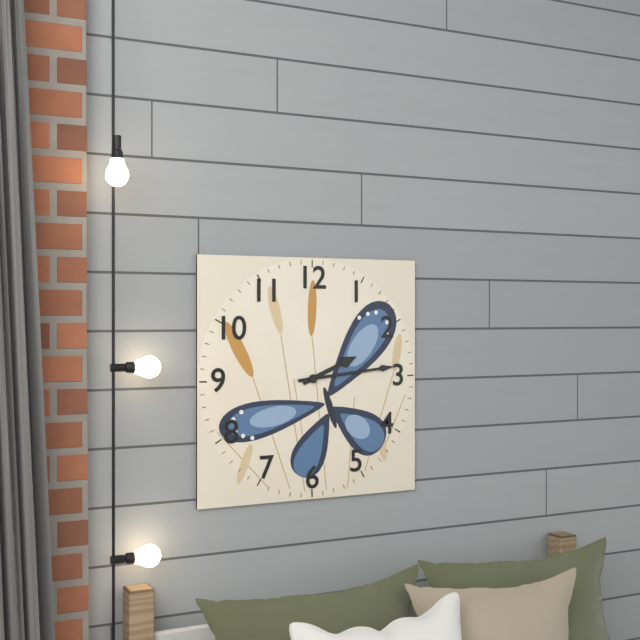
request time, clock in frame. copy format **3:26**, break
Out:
**2:14**
